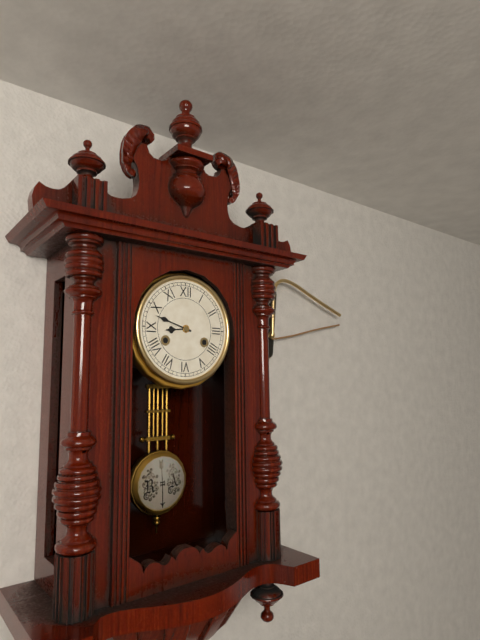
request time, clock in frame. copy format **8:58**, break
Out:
**8:48**
